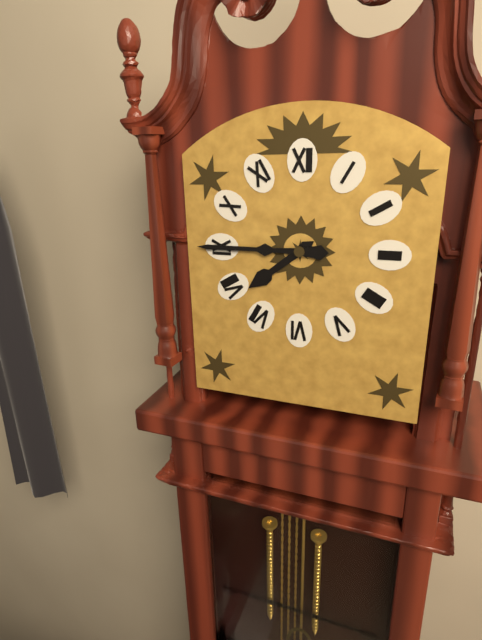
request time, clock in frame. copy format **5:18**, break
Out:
**7:45**
